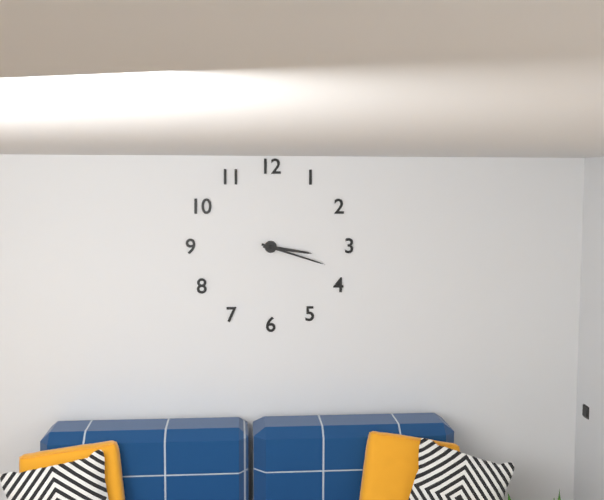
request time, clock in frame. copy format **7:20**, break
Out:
**3:18**
